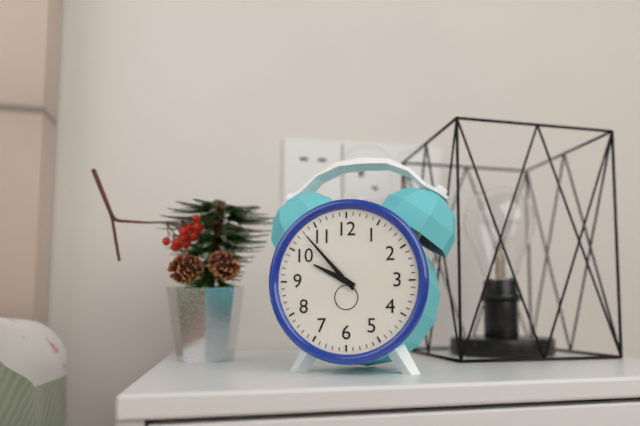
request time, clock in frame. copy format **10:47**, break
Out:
**9:53**
